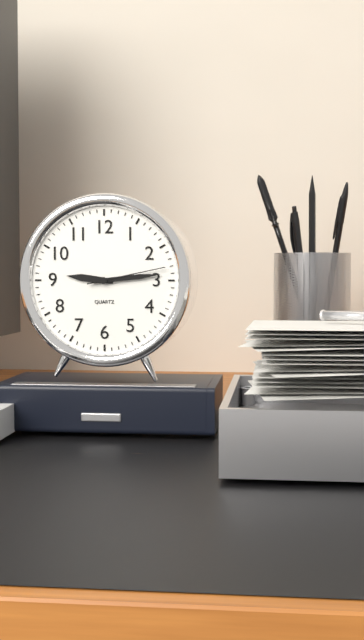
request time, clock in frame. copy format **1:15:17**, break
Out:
**9:14:13**
